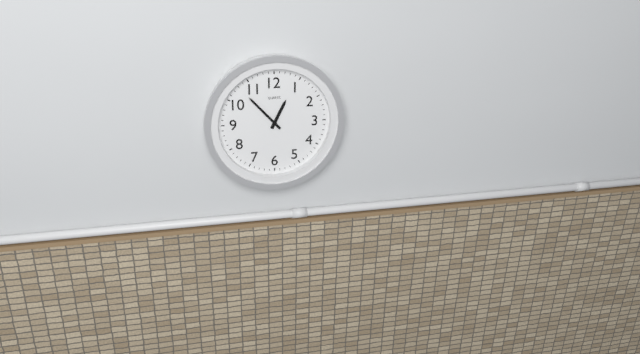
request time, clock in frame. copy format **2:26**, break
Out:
**12:53**
